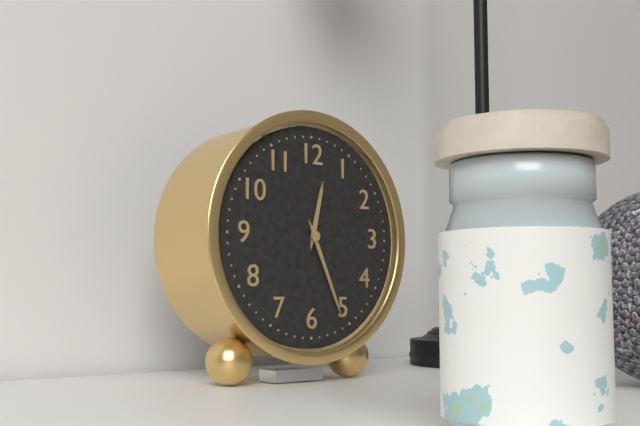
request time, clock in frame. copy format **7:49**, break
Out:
**12:26**
